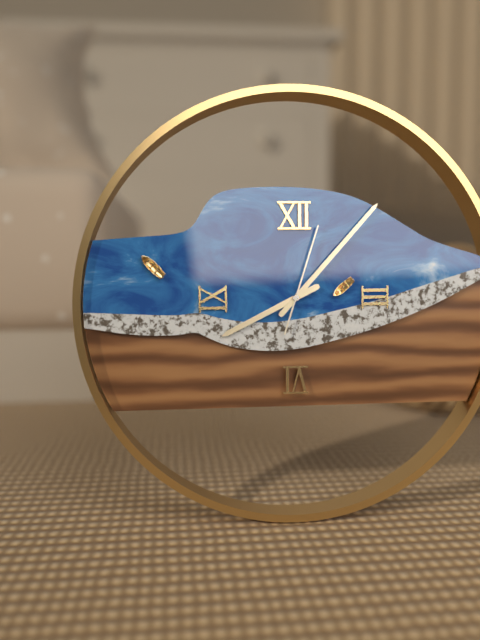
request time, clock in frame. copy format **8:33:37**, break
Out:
**8:07:03**
